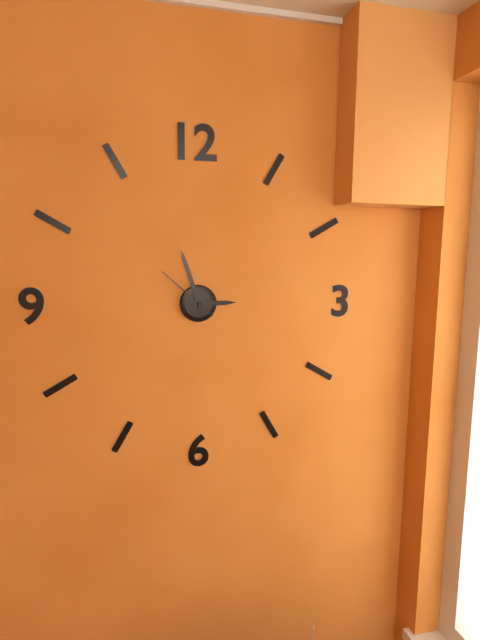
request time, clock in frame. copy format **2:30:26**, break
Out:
**2:57:52**
